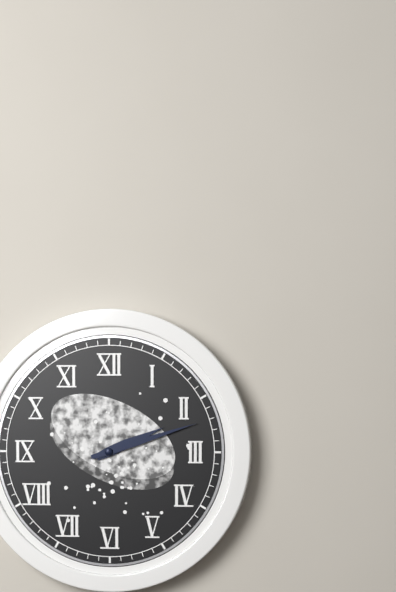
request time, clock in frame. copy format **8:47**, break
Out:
**2:12**
